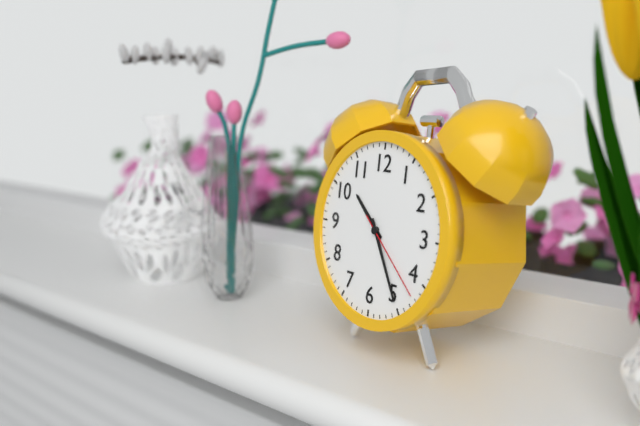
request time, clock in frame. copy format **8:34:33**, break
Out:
**10:25:22**
